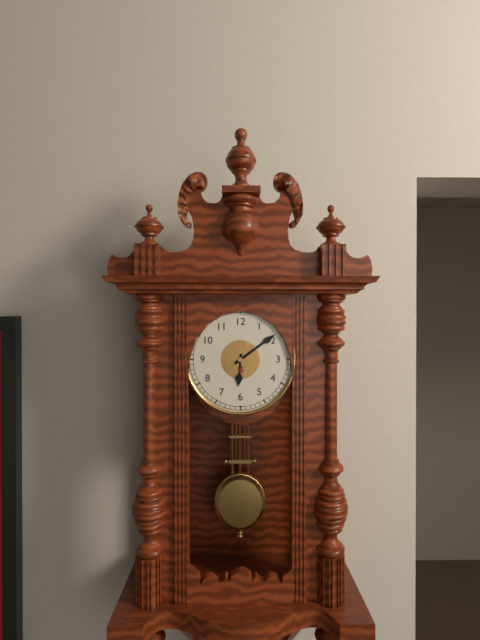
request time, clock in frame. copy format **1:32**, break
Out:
**6:09**
